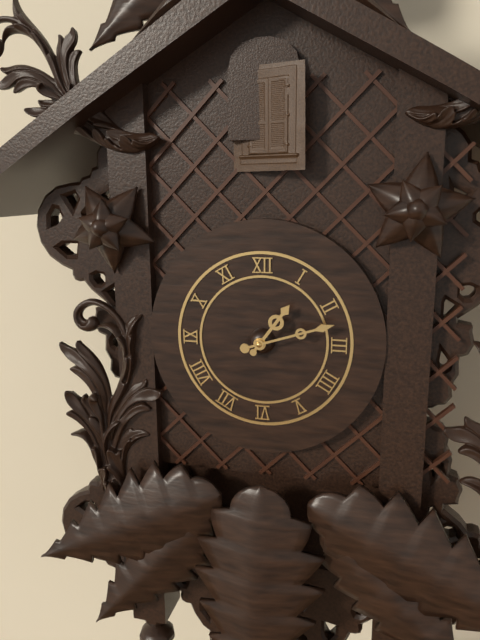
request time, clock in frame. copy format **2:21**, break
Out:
**1:12**
